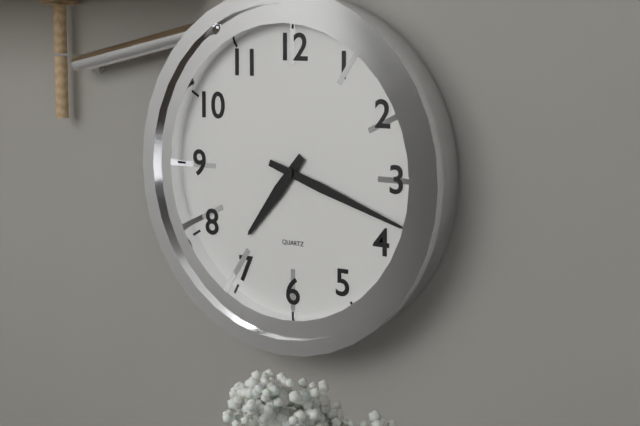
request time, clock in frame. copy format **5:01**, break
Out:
**7:18**
